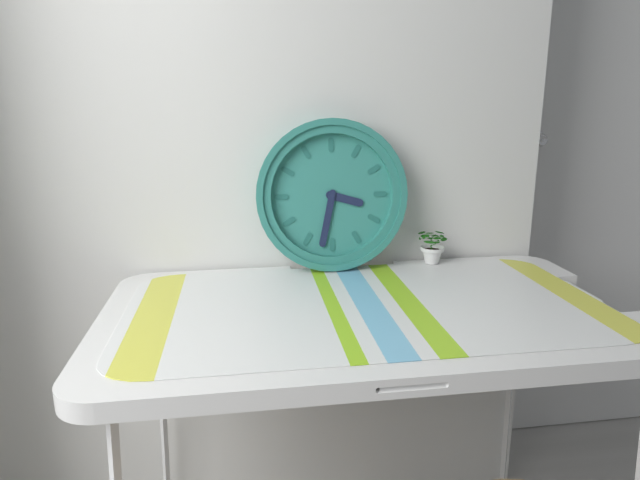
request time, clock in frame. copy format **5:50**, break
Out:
**3:32**
